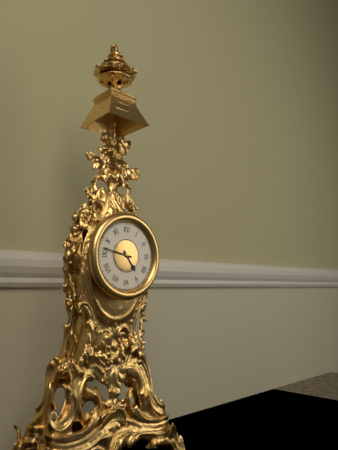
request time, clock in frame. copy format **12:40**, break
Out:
**4:47**
